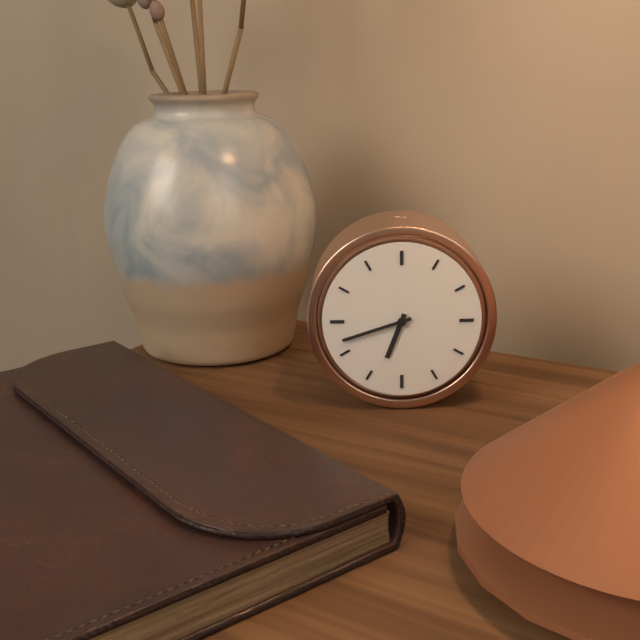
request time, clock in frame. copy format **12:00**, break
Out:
**6:42**
